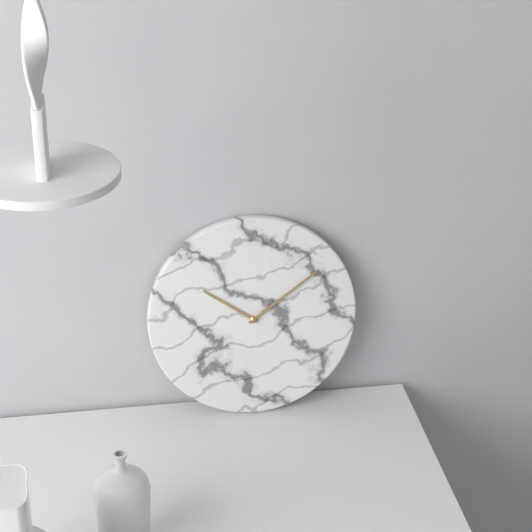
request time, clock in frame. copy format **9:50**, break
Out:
**10:09**
